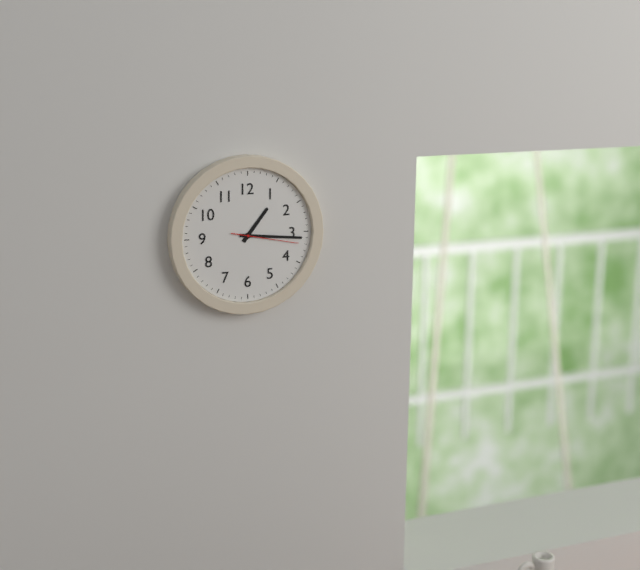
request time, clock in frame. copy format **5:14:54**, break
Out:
**1:16:17**
